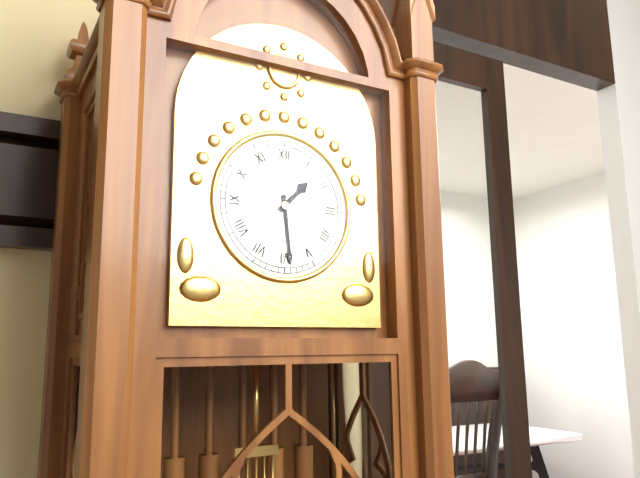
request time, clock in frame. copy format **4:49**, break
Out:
**1:29**
